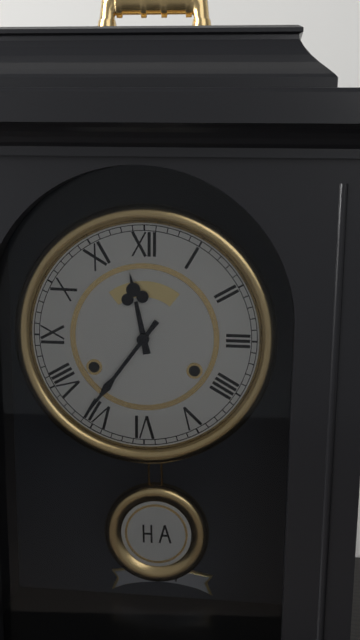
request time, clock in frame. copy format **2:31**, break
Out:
**11:36**
